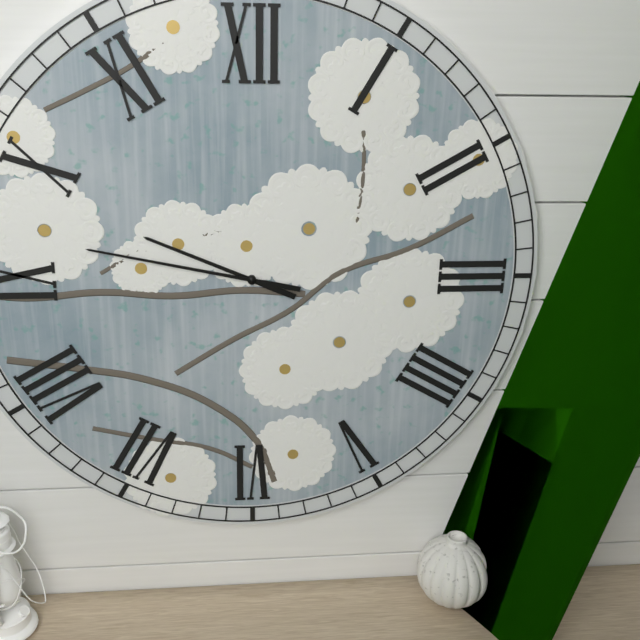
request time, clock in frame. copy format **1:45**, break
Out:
**9:47**
